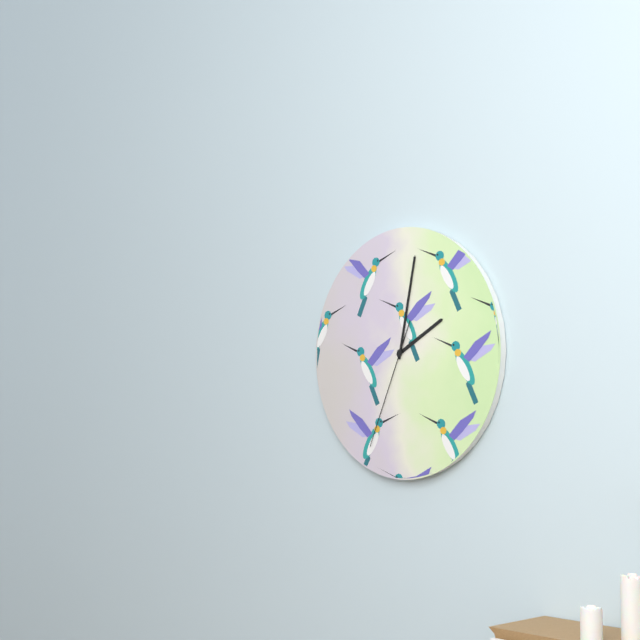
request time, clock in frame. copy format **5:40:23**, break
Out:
**2:02:34**
